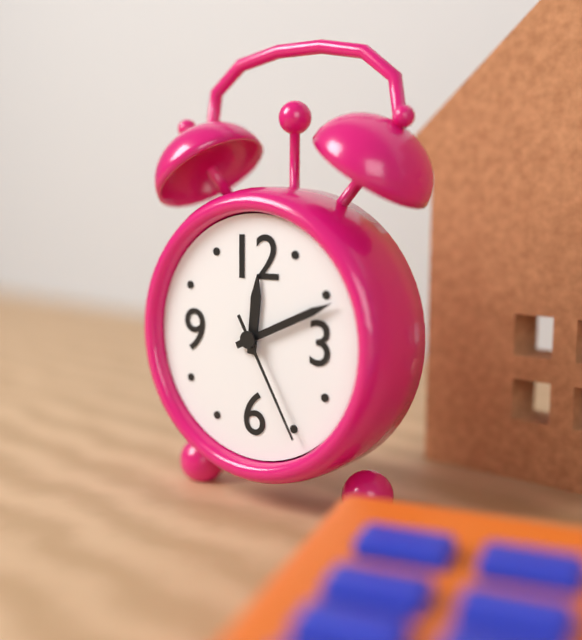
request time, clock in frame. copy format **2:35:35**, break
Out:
**12:11:25**
